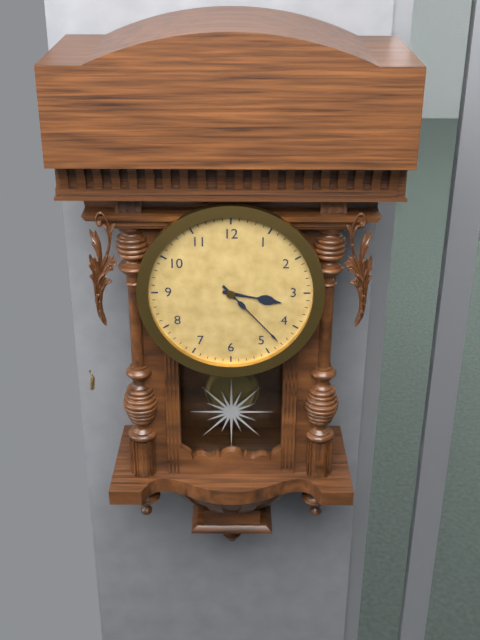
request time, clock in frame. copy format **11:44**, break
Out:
**3:23**
